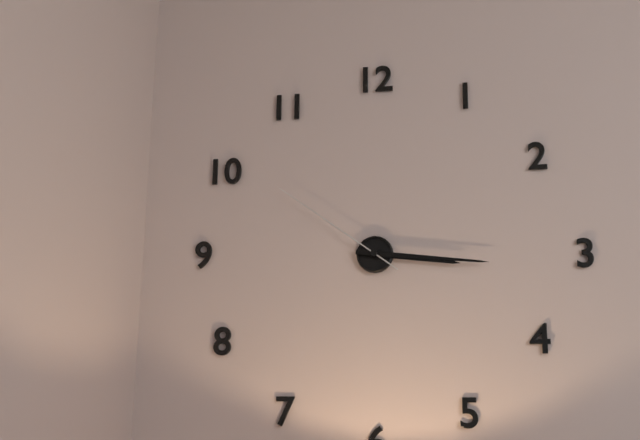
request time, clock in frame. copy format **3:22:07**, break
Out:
**3:16:51**
